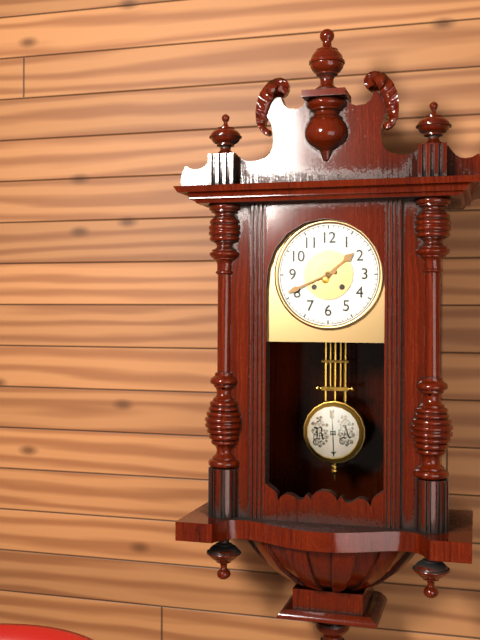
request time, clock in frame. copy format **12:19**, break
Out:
**1:41**
